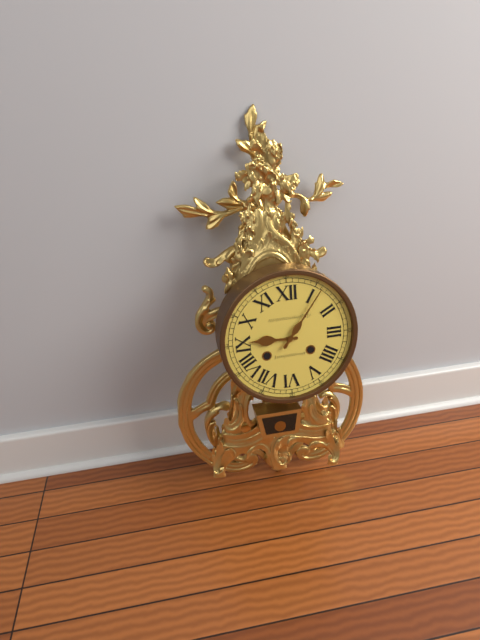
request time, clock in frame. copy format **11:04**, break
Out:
**9:06**
